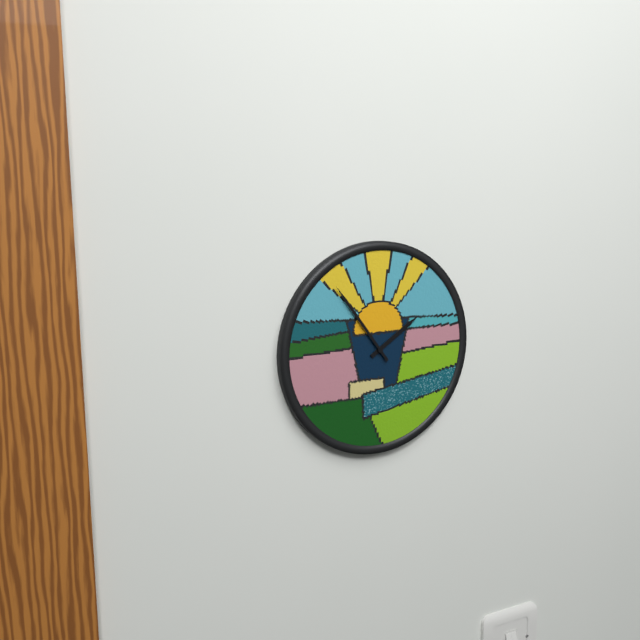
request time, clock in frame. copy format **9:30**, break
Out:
**1:54**
